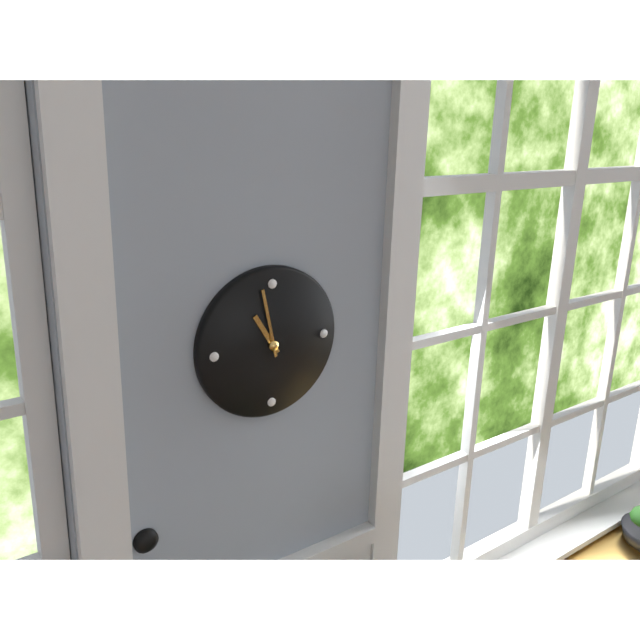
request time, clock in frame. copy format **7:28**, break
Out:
**10:58**
